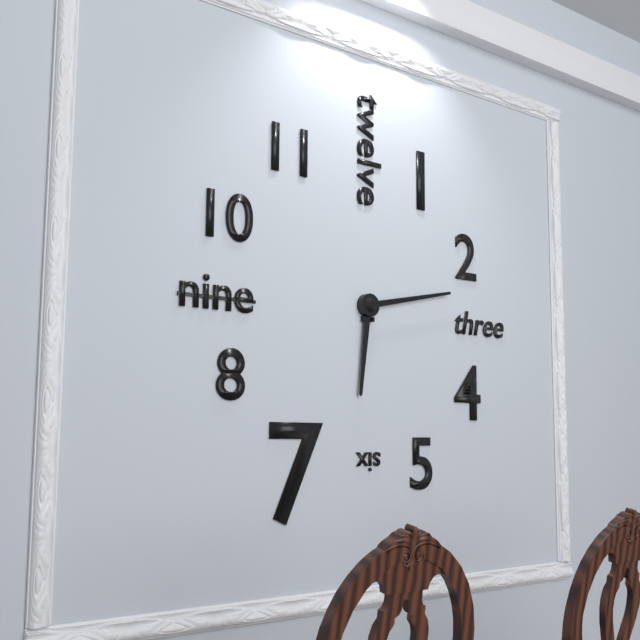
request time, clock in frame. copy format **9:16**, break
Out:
**6:13**
